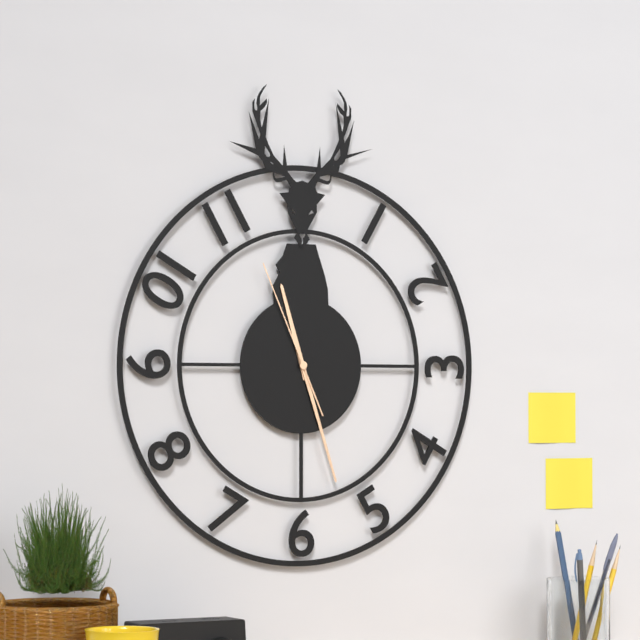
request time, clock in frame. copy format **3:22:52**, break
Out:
**11:27:56**
